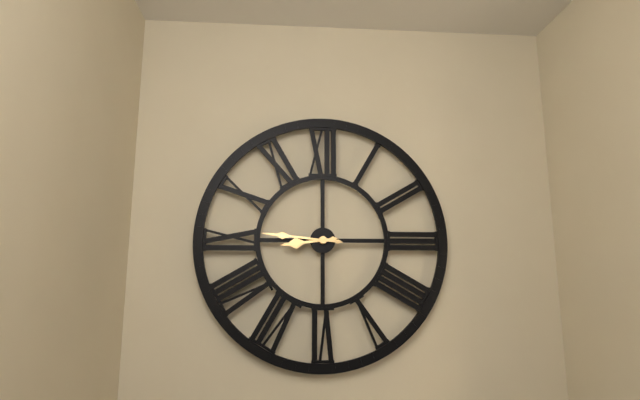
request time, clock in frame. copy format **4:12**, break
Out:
**8:46**
